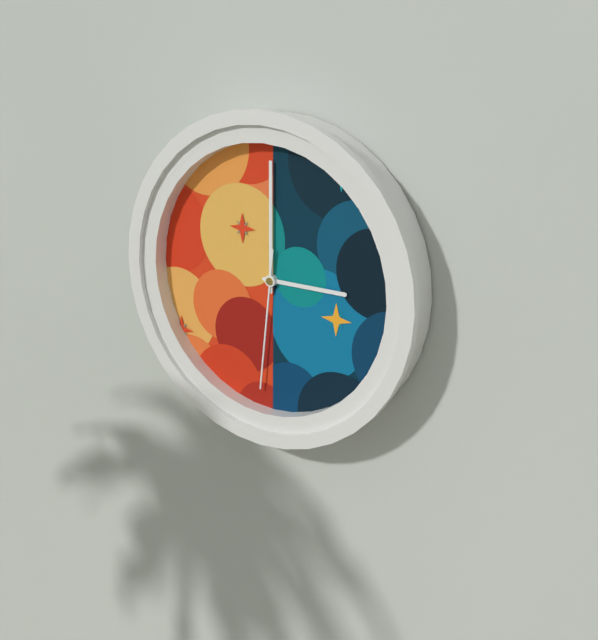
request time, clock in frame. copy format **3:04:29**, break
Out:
**3:00:31**
